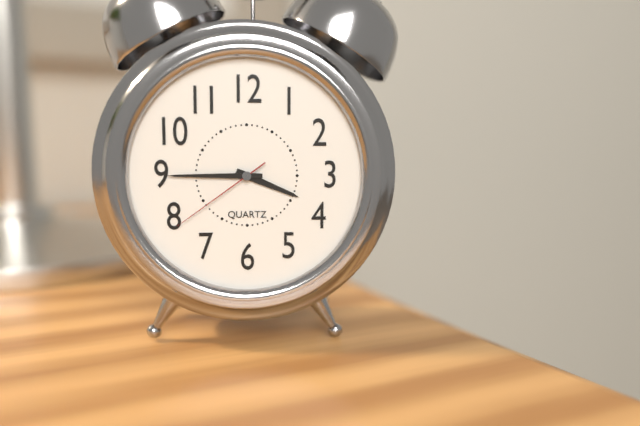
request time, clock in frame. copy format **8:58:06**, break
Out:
**3:45:39**
